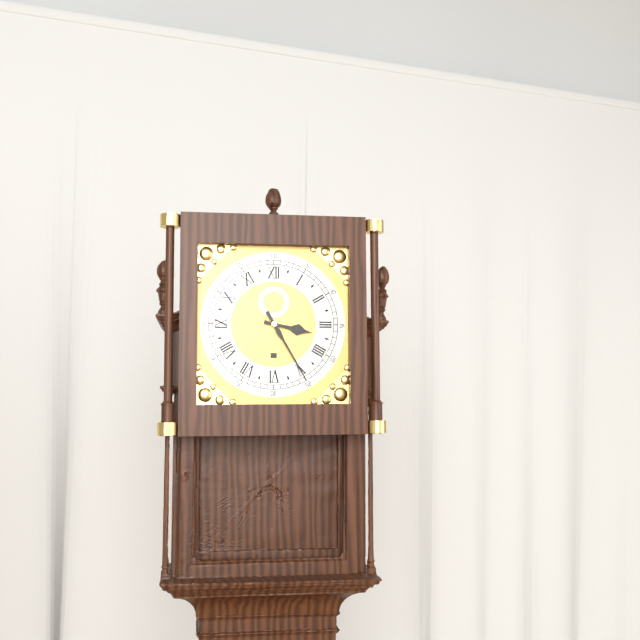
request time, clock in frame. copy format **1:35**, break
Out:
**3:25**
